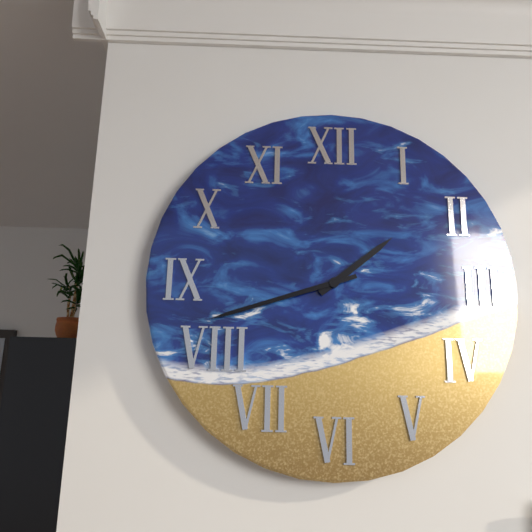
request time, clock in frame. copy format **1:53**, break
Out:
**1:42**
